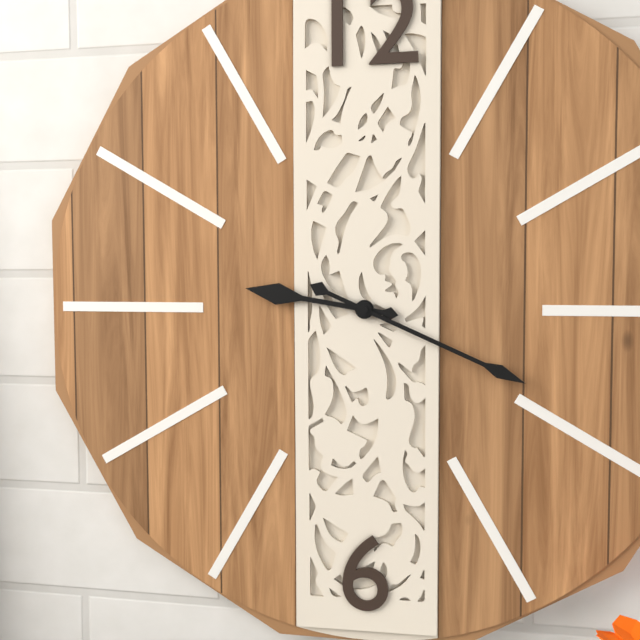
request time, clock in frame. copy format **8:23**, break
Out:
**9:19**
